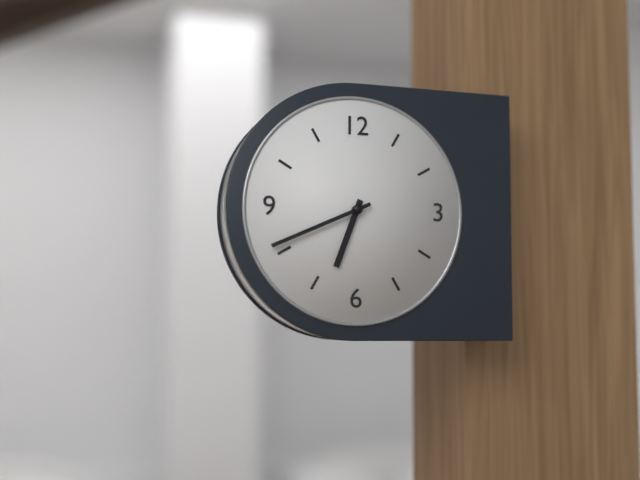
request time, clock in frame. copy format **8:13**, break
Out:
**6:41**
